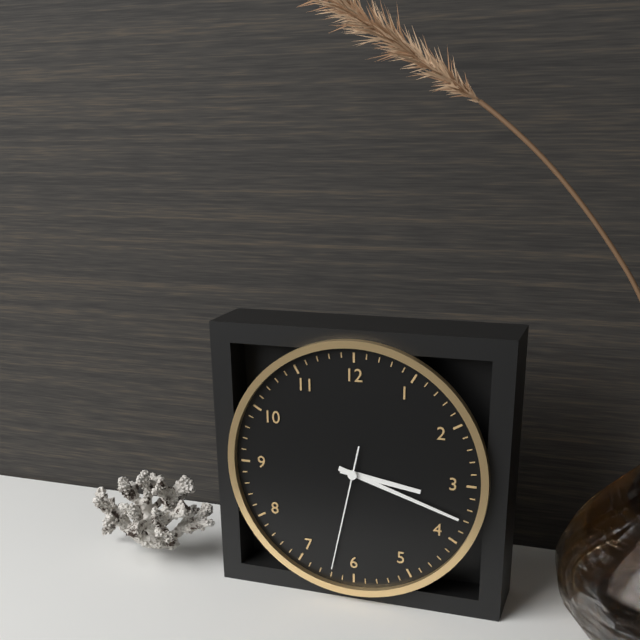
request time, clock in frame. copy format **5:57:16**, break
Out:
**3:18:32**
